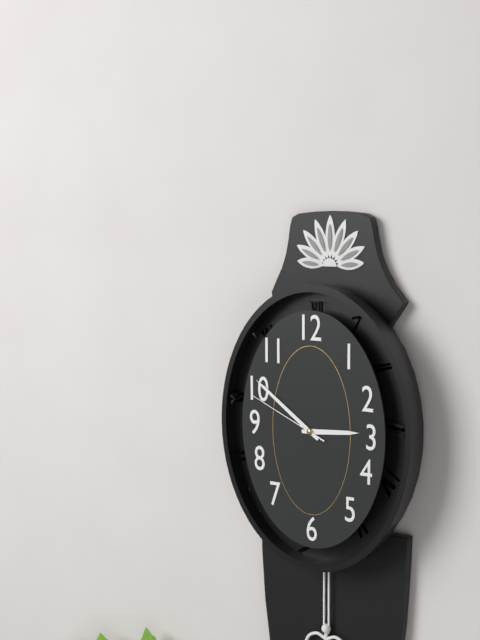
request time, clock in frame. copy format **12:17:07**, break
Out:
**2:51:49**
